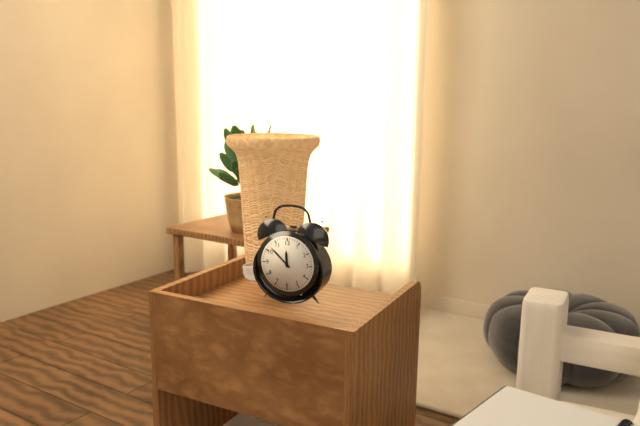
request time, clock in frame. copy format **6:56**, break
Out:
**11:52**
